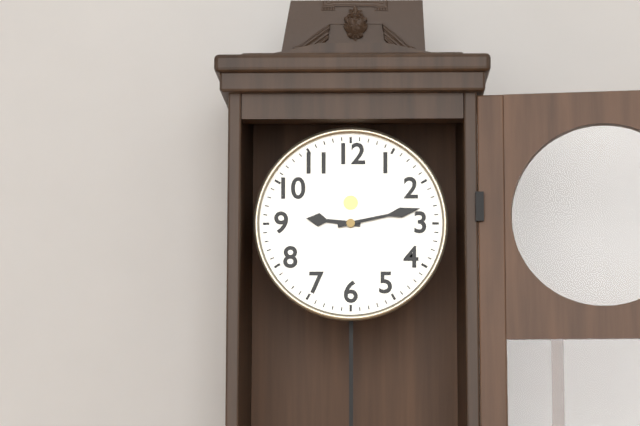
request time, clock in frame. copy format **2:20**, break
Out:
**9:13**
